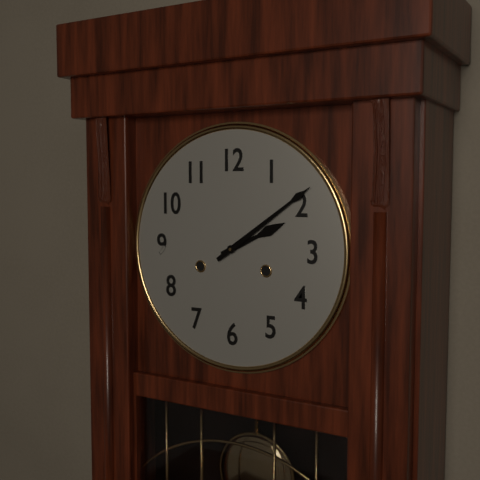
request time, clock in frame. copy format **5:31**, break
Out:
**2:09**
